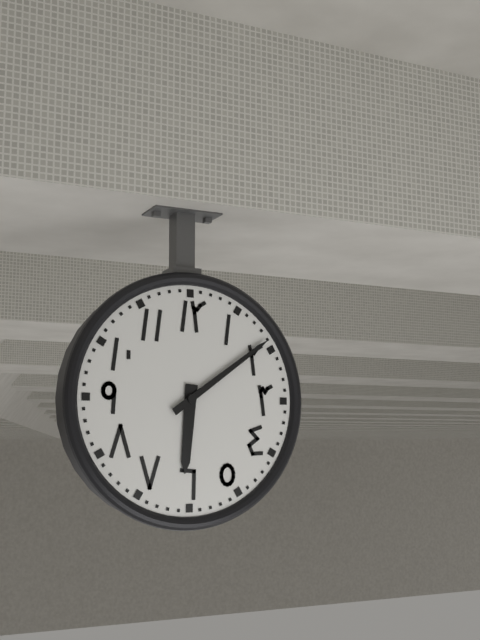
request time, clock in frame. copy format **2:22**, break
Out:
**6:09**
